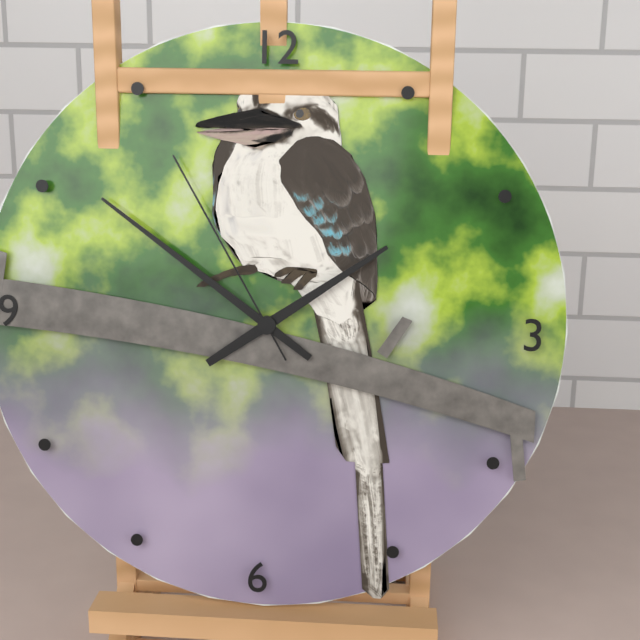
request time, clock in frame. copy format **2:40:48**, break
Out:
**1:51:55**
